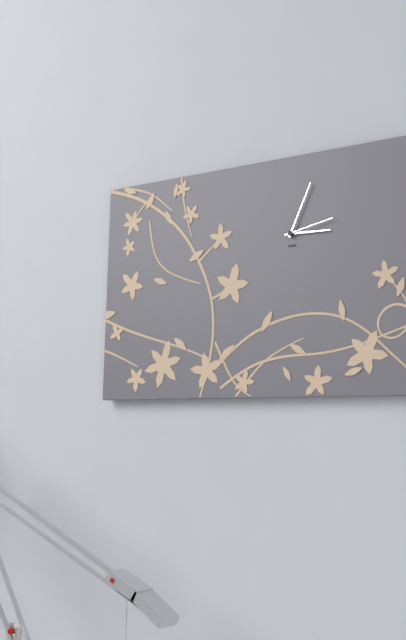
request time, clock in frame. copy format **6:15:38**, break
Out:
**3:04:13**
